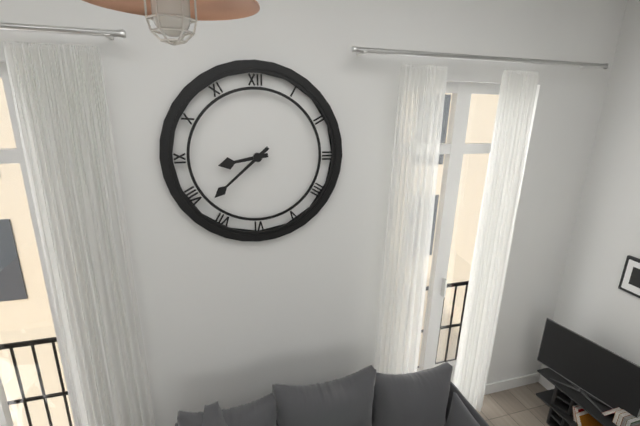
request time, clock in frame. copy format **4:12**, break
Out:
**8:38**
